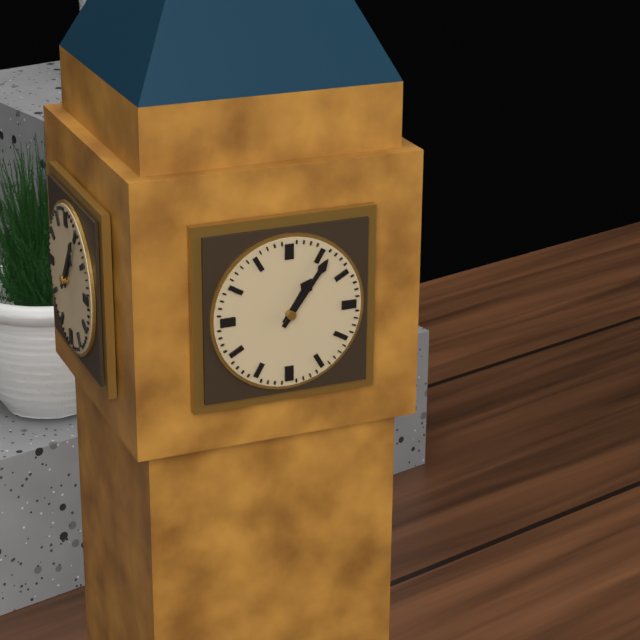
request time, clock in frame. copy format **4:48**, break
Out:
**1:06**
